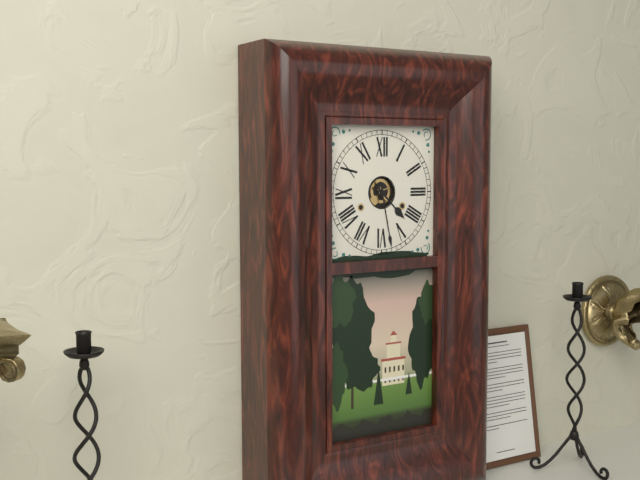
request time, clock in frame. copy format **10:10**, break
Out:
**4:28**
